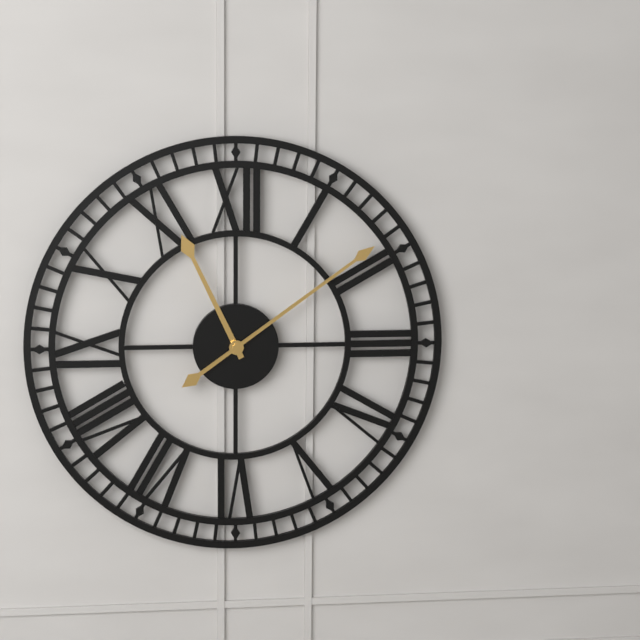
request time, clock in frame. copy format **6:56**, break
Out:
**11:09**
